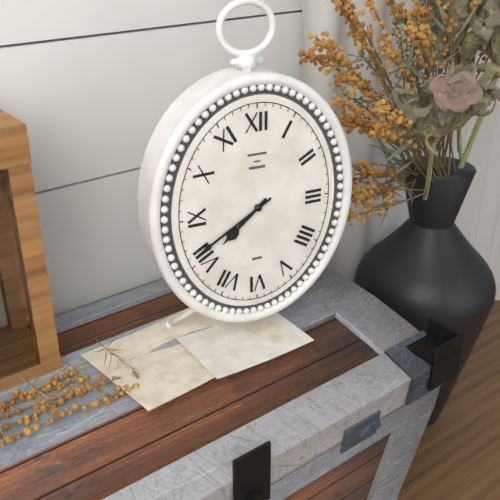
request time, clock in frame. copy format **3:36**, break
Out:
**7:40**
